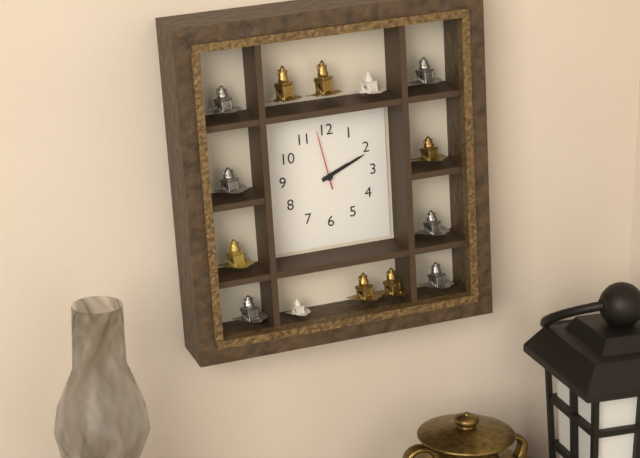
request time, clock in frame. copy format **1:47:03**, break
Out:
**2:11:58**
